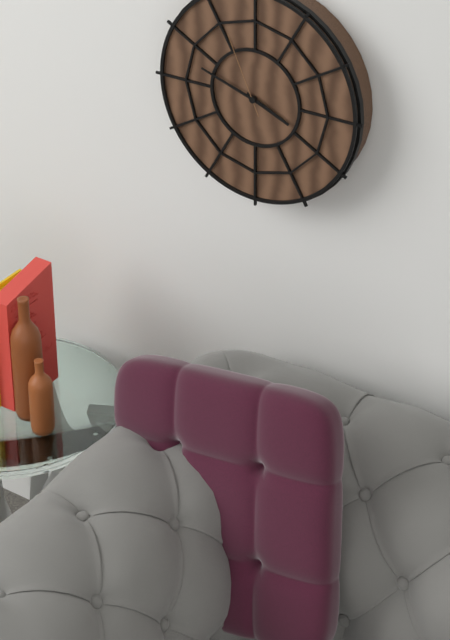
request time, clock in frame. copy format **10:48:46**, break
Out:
**3:48:56**
